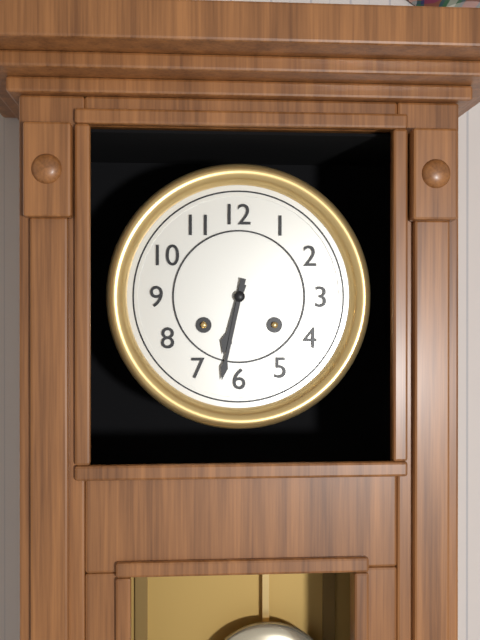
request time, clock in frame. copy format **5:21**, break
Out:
**6:32**
